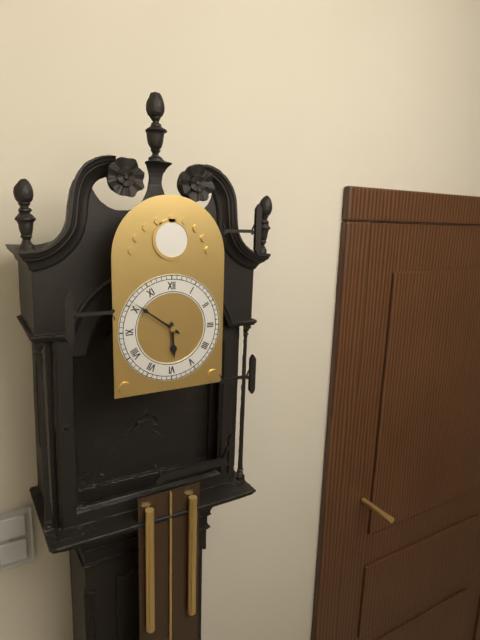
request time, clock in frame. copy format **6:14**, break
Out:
**5:51**
